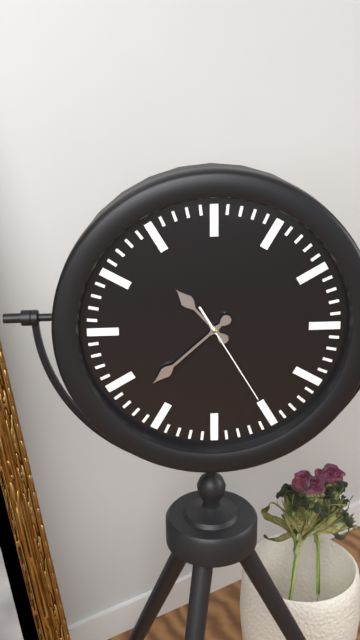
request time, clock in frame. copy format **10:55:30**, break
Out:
**10:38:25**
